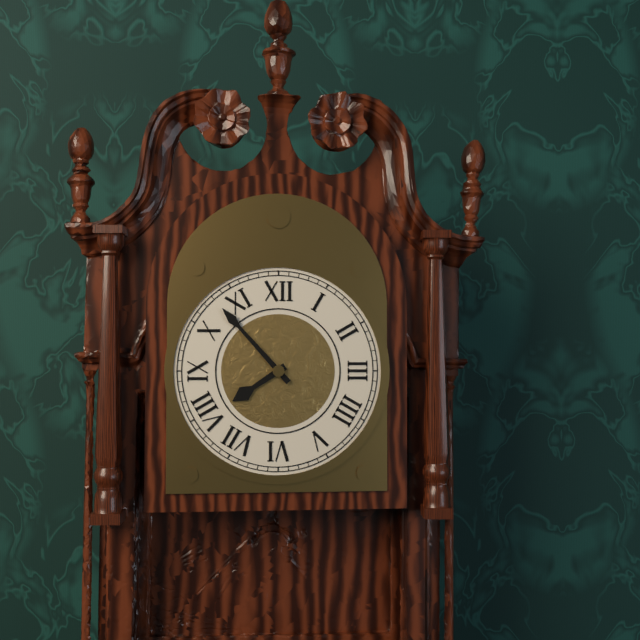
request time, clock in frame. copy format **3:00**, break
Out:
**7:53**
